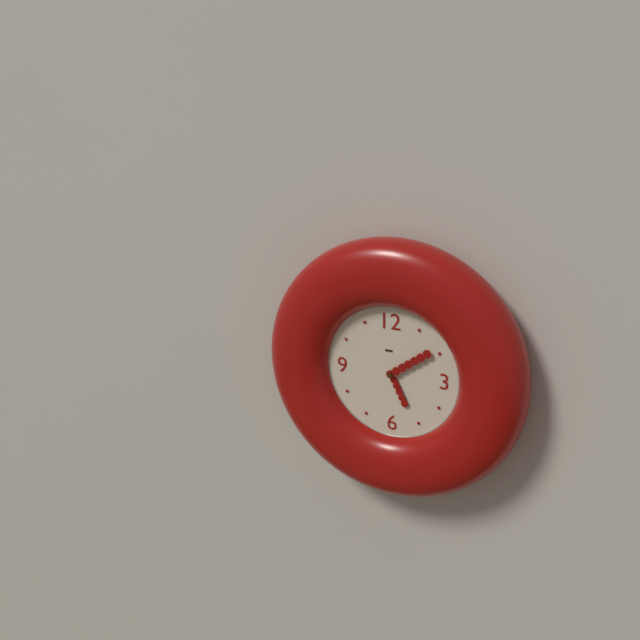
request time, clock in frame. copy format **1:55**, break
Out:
**5:09**
